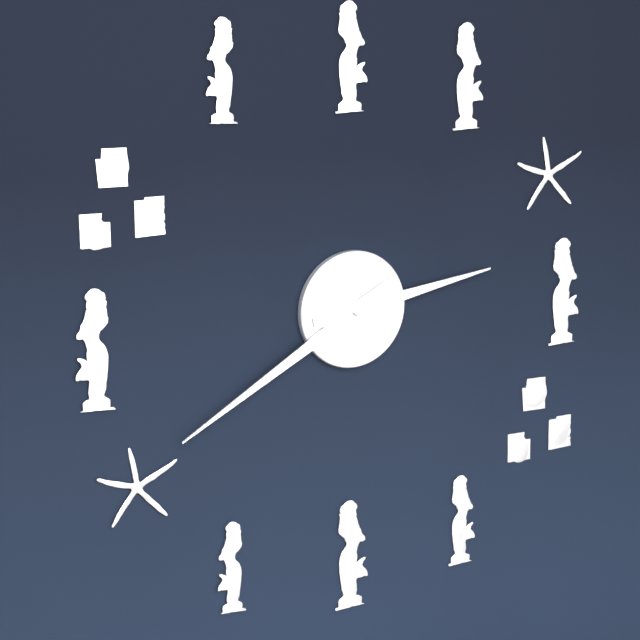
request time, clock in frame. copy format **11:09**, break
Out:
**2:40**
